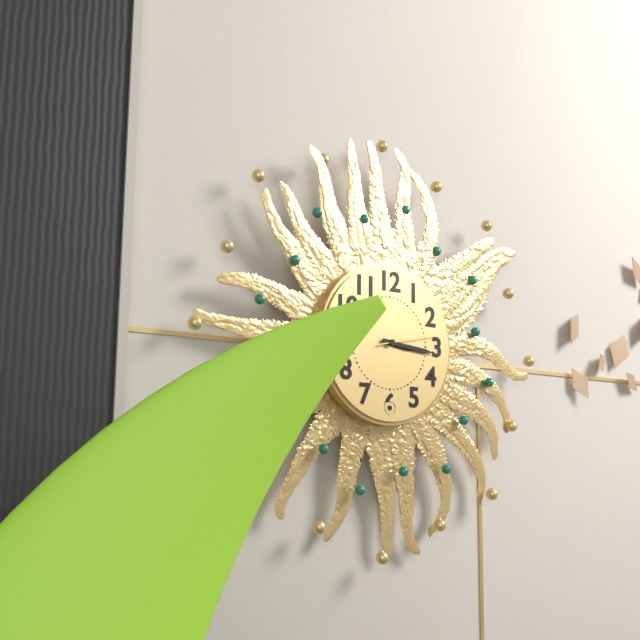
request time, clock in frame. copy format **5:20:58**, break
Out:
**3:16:13**
